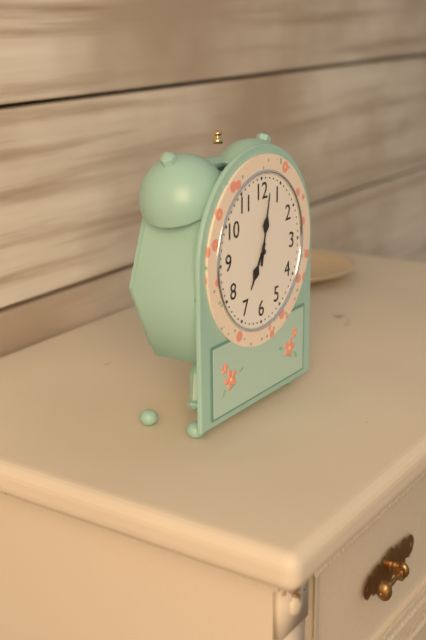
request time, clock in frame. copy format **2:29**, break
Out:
**7:02**
